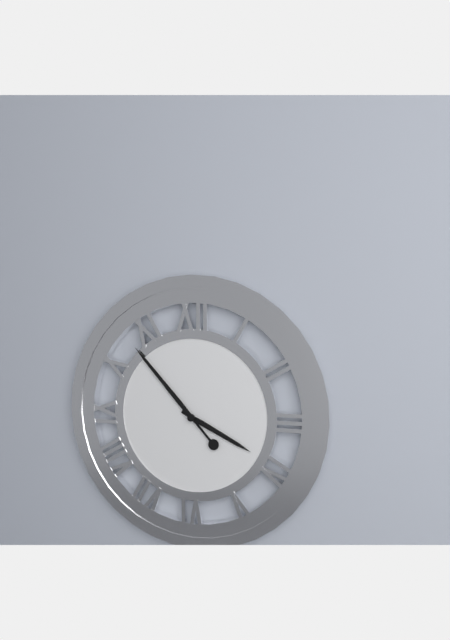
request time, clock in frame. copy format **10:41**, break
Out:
**3:53**
